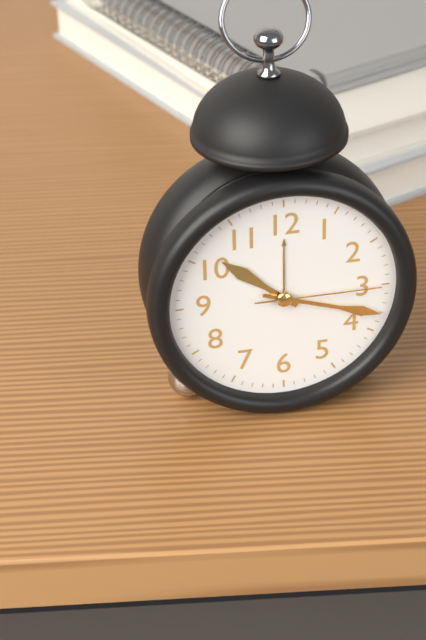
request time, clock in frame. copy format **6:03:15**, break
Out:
**10:18:15**
